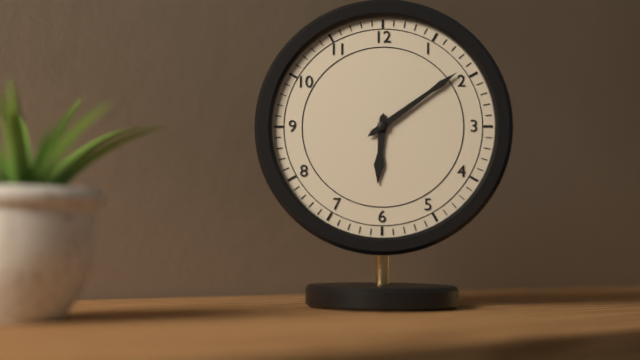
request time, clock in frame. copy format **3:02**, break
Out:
**6:09**
